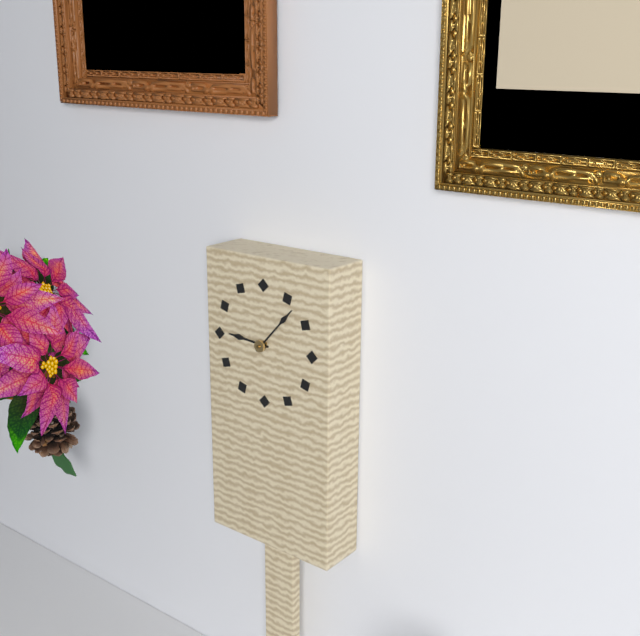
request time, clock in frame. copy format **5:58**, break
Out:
**9:07**
